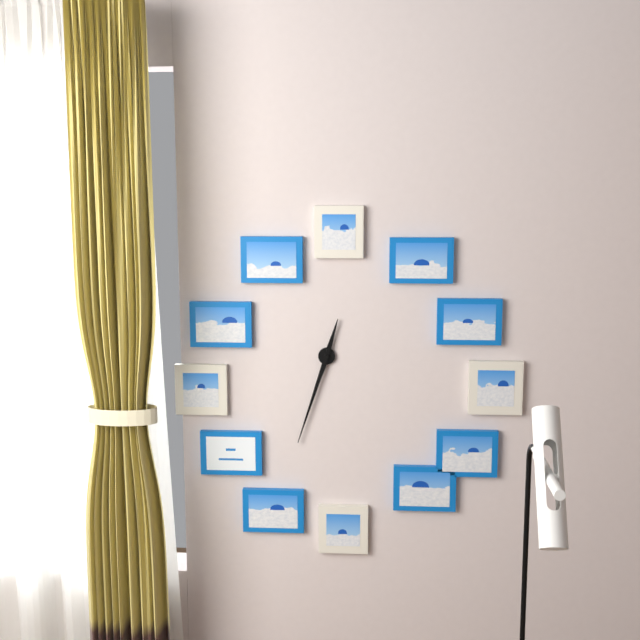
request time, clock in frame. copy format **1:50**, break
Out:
**12:33**
